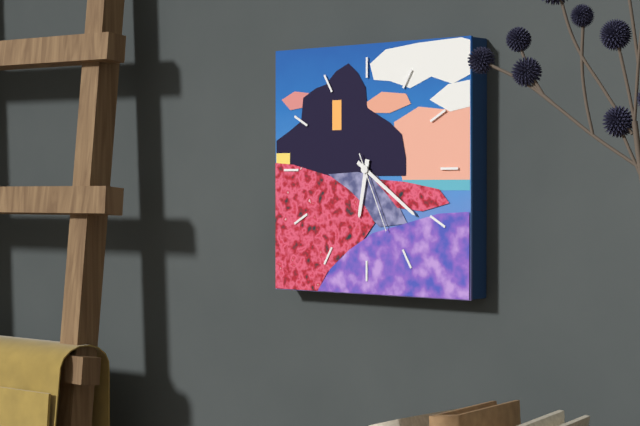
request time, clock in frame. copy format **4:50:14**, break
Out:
**6:21:26**
